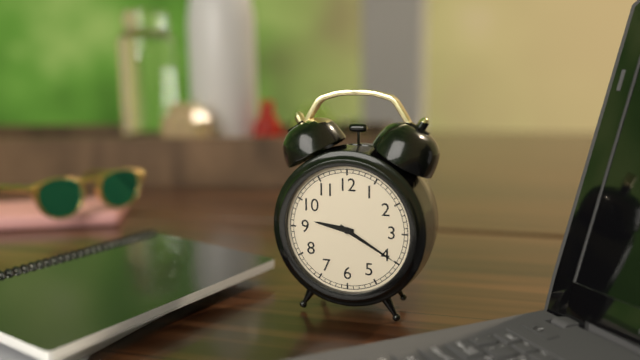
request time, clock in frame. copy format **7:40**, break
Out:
**9:20**
